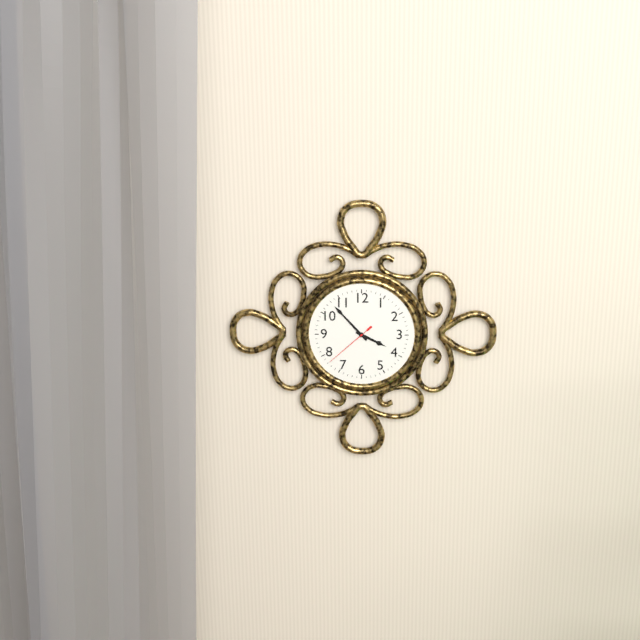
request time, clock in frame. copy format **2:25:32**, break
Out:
**3:53:38**
